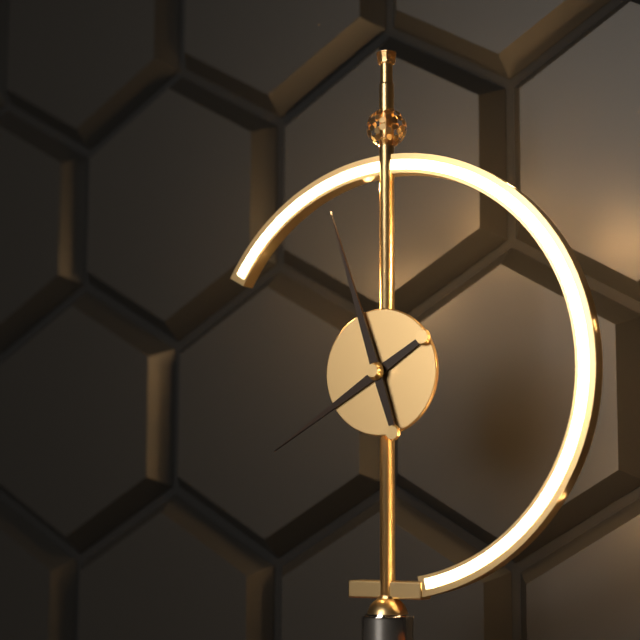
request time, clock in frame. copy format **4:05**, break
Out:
**7:57**
